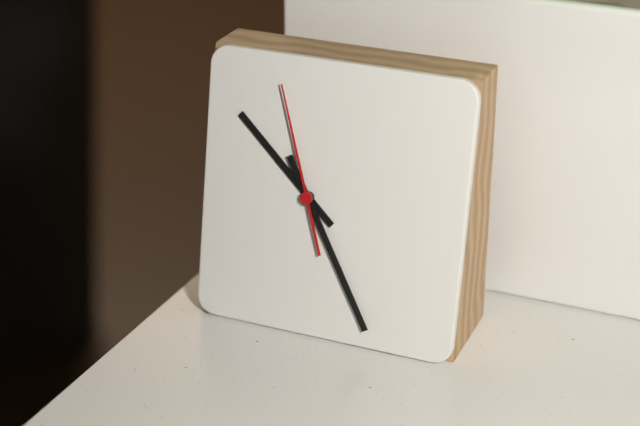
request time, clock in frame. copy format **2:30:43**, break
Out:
**10:25:57**
